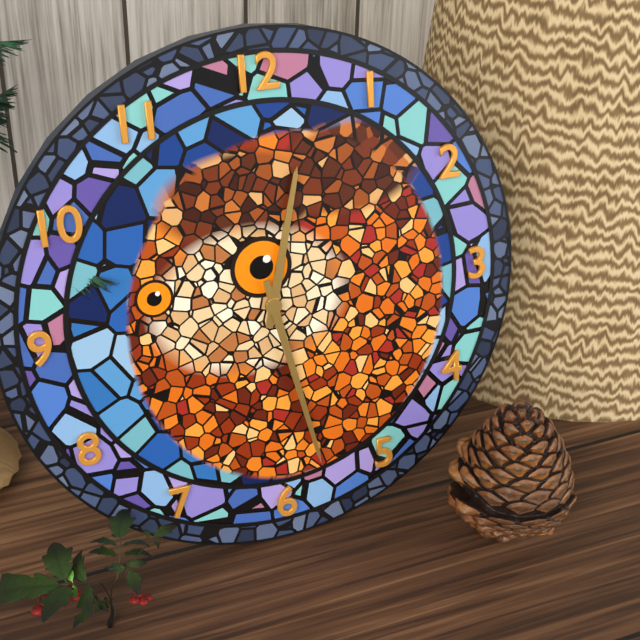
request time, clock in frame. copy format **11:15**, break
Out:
**12:28**
